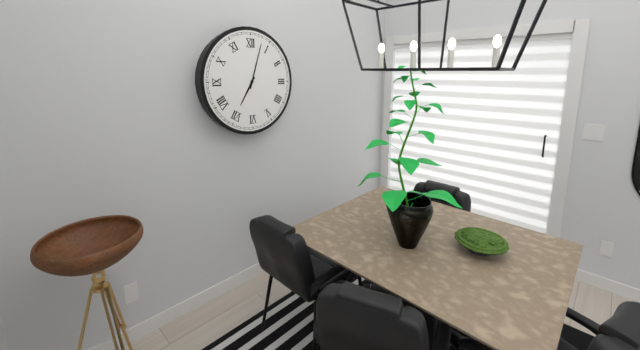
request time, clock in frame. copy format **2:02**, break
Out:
**7:03**
